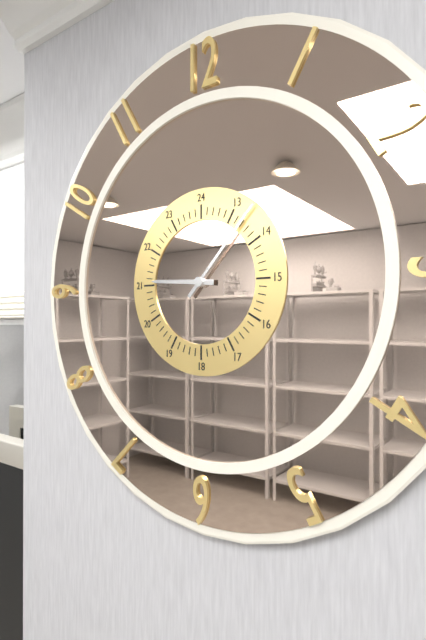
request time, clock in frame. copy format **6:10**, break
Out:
**9:07**
